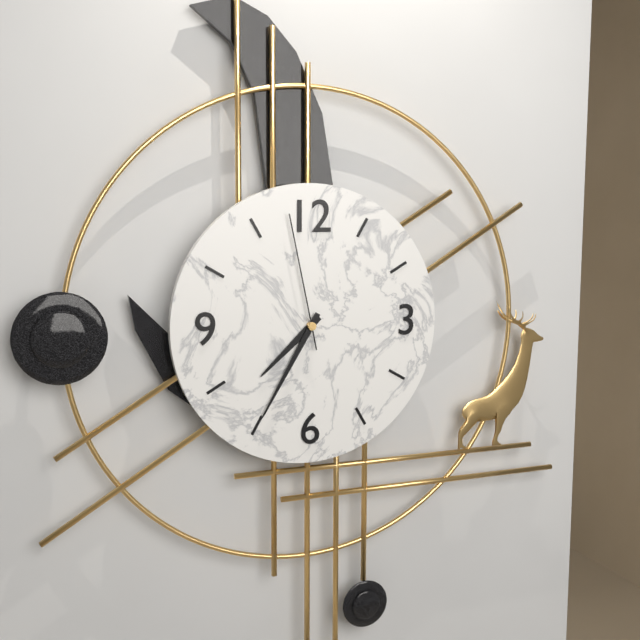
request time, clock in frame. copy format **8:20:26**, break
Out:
**7:35:58**
